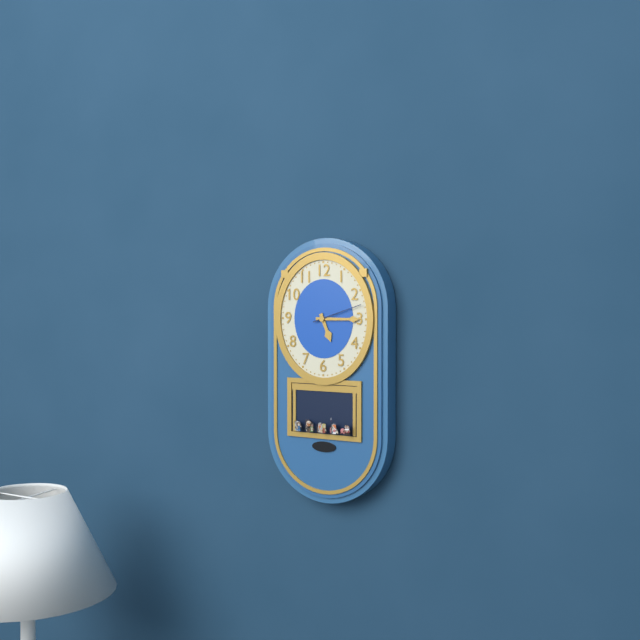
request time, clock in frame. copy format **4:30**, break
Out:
**5:15**
